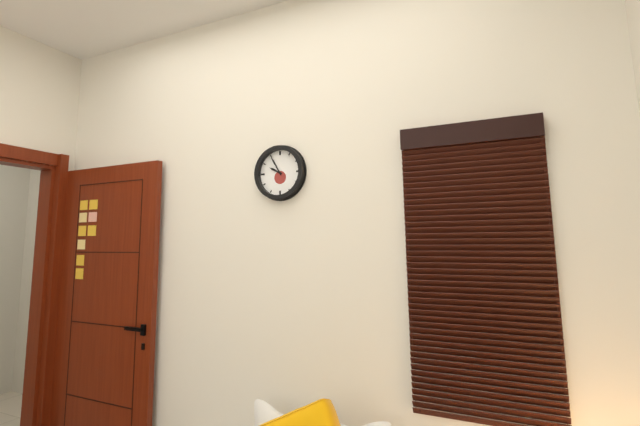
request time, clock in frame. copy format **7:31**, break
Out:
**9:55**
